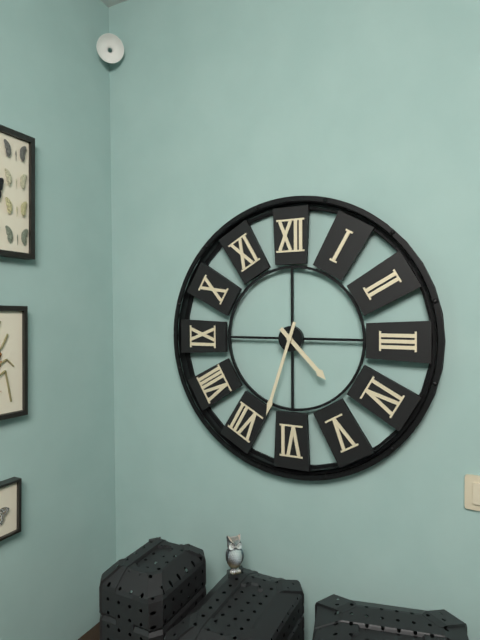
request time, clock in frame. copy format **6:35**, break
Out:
**4:33**
